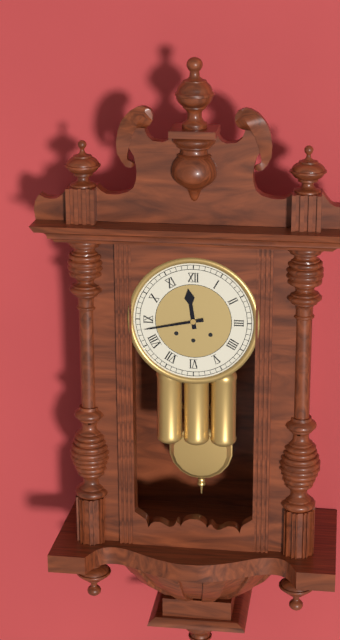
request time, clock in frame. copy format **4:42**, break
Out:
**11:43**
